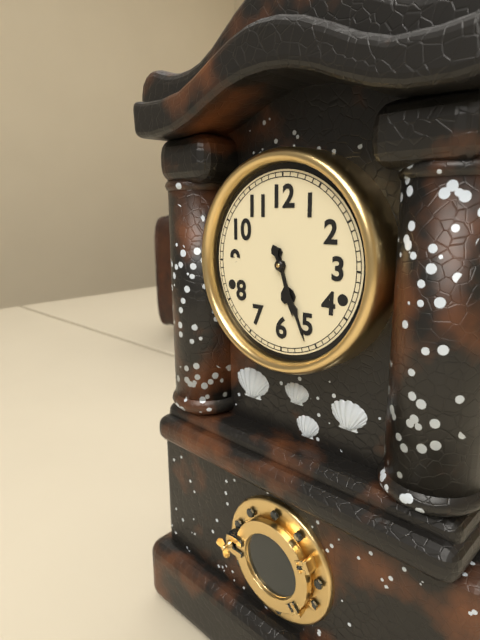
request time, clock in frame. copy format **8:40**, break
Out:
**5:26**
